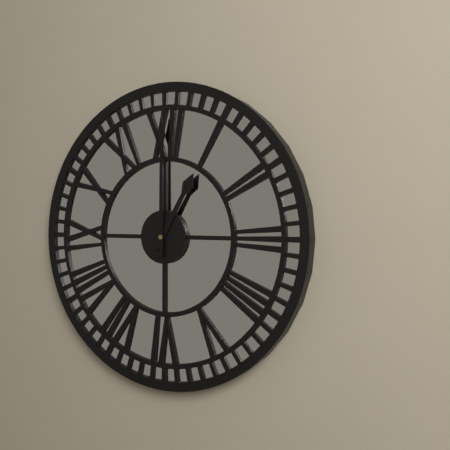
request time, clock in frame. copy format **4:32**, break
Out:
**1:00**
